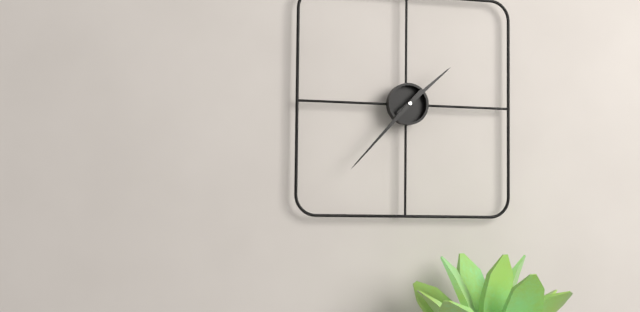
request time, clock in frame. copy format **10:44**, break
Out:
**1:37**
